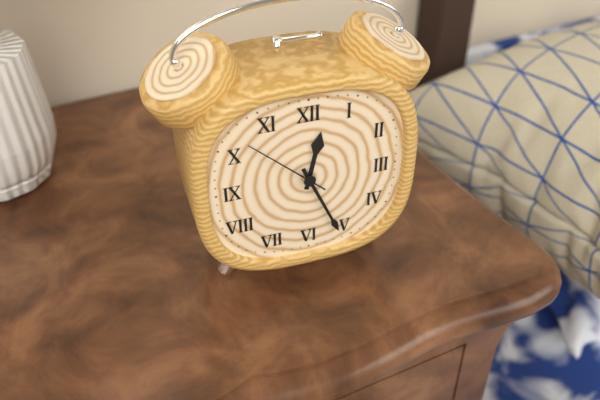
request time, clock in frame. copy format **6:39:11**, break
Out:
**12:26:52**
